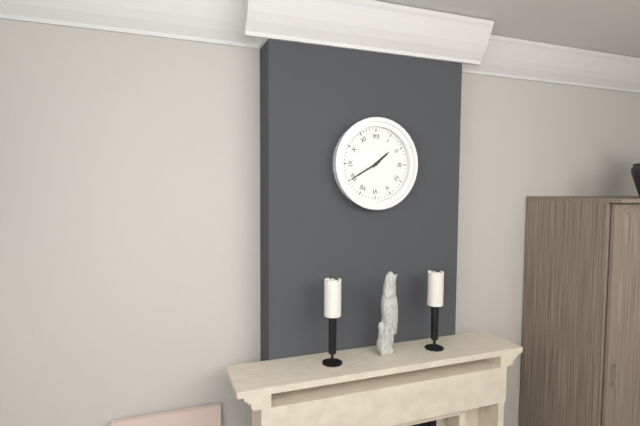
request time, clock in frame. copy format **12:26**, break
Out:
**1:40**
